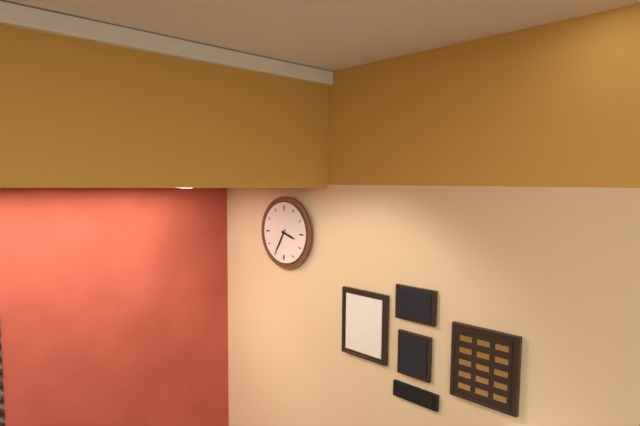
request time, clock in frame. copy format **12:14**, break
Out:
**3:35**
